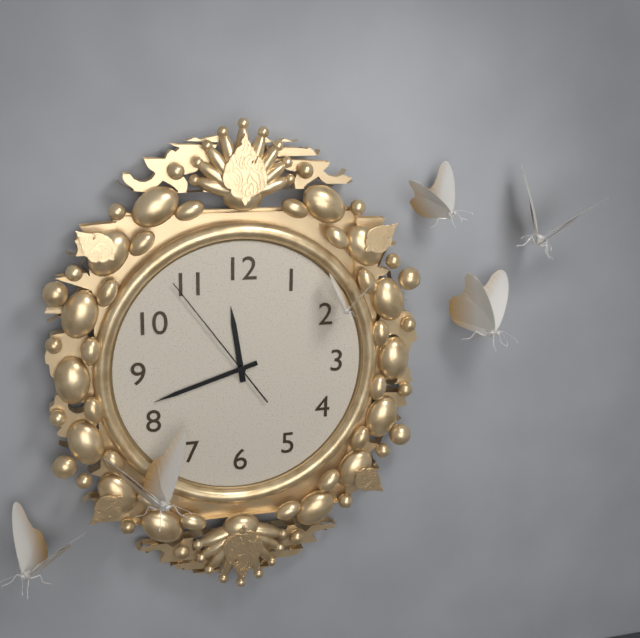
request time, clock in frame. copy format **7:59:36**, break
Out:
**11:42:54**
